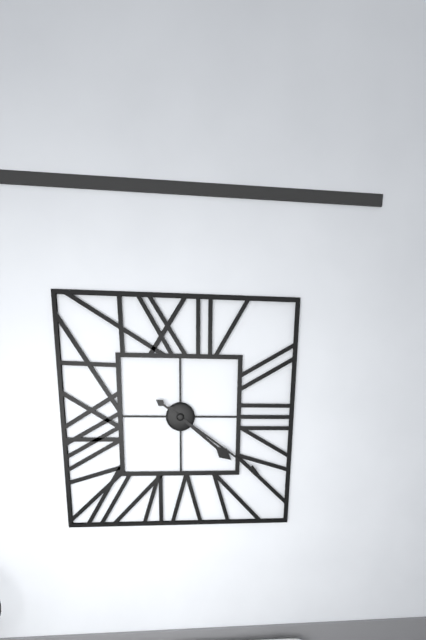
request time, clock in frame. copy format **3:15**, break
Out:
**4:21**
